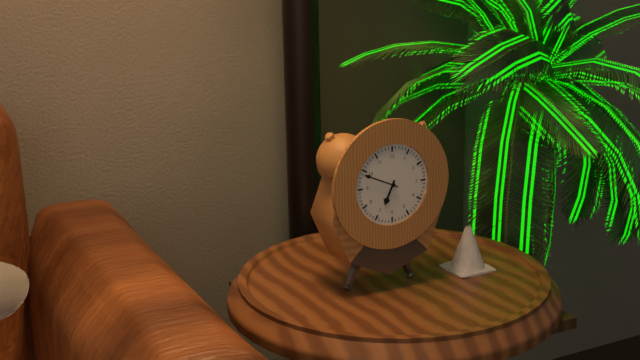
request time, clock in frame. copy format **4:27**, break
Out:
**6:49**
